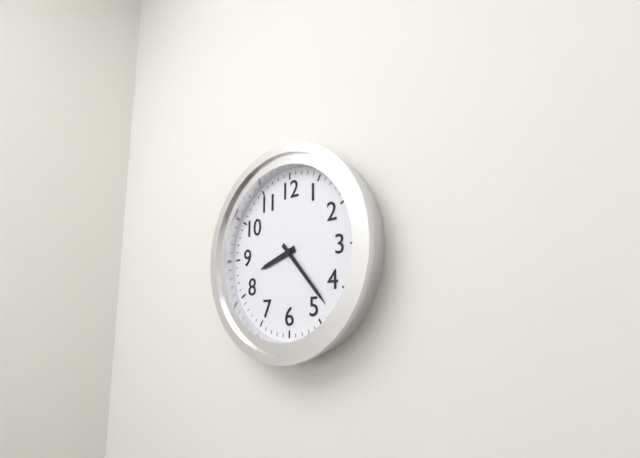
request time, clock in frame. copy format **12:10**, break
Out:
**8:23**
